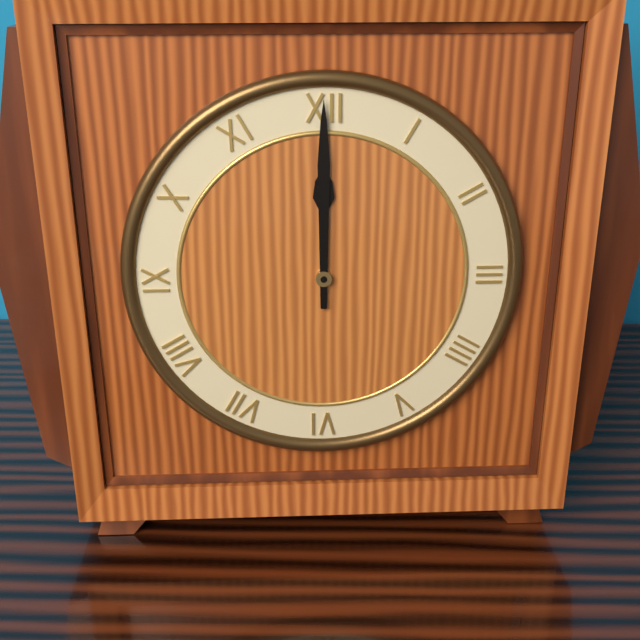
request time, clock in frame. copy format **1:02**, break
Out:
**12:00**
